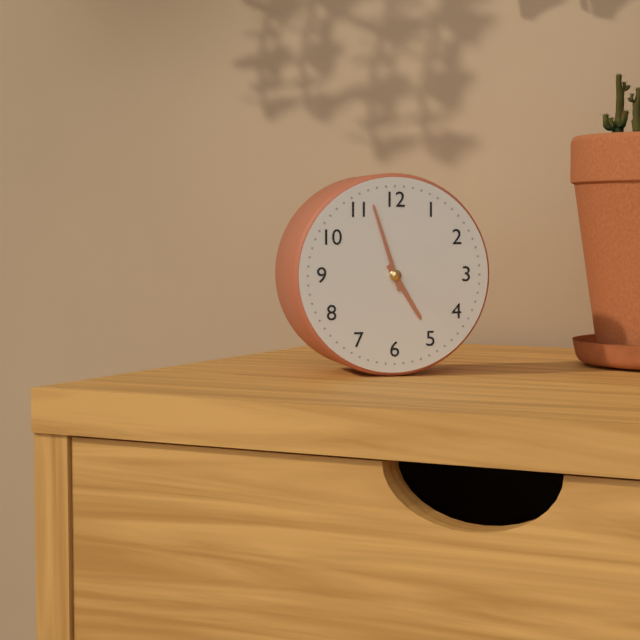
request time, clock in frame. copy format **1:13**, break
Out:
**4:57**
